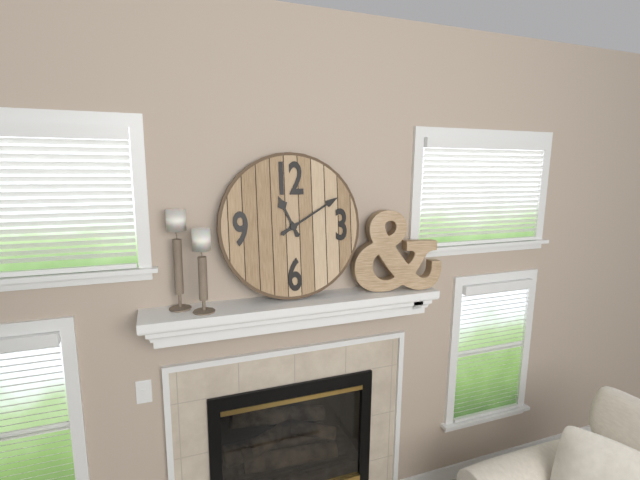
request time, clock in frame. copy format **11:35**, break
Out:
**11:10**
